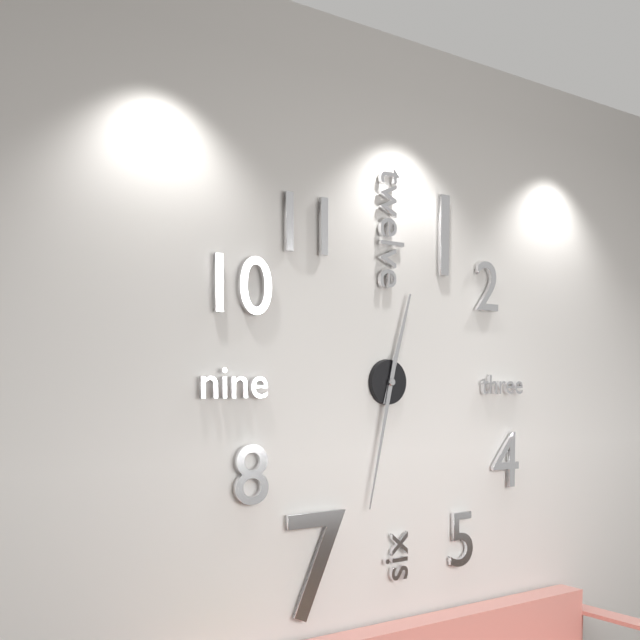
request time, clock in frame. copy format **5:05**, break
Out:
**12:32**
